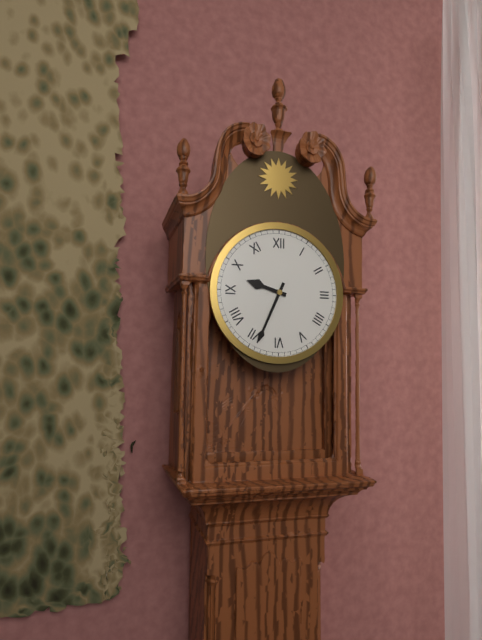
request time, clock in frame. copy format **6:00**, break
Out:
**9:34**
